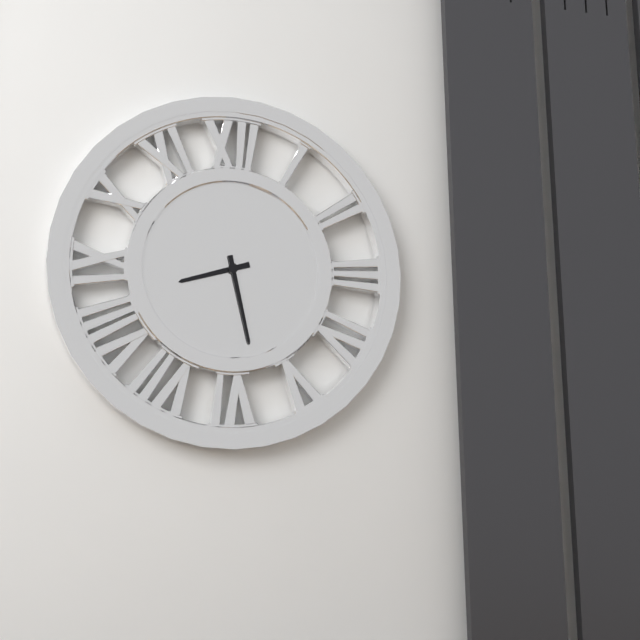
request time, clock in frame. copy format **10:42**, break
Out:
**8:28**
